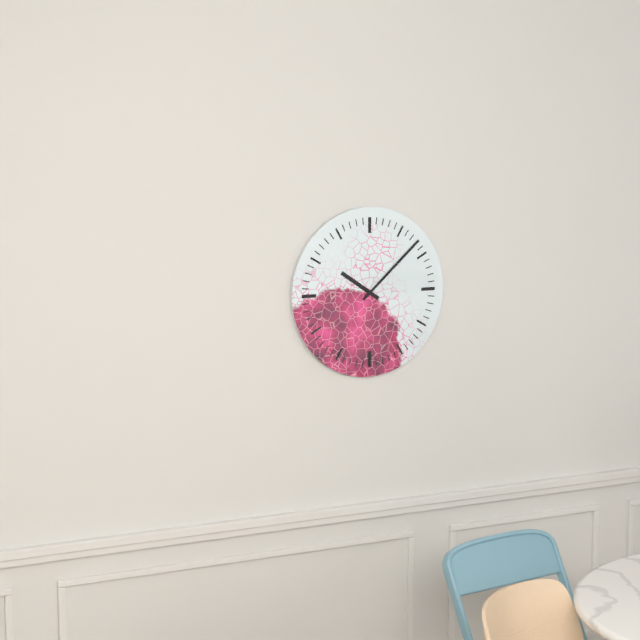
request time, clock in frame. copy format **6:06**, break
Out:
**10:08**
